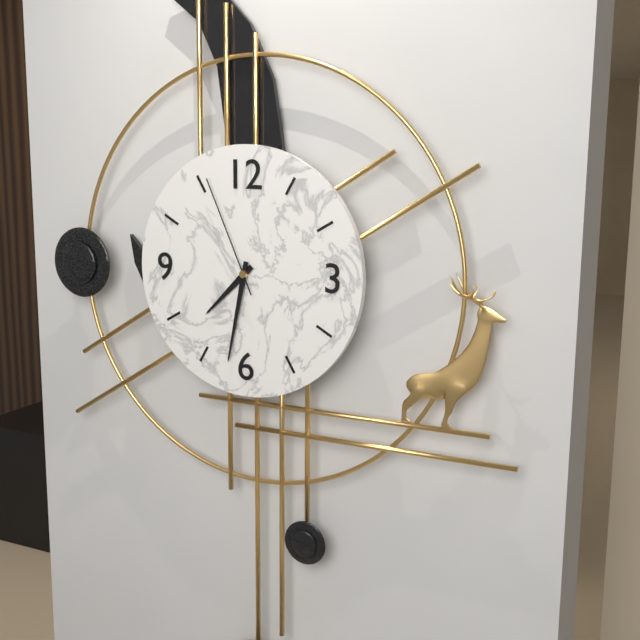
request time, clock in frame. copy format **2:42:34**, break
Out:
**7:32:56**
